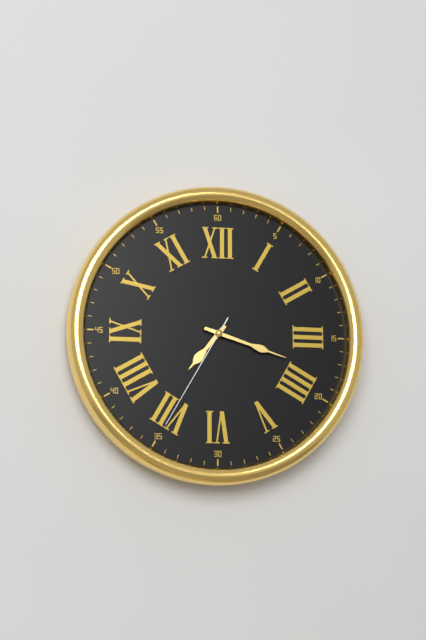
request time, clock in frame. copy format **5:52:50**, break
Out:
**7:18:35**
